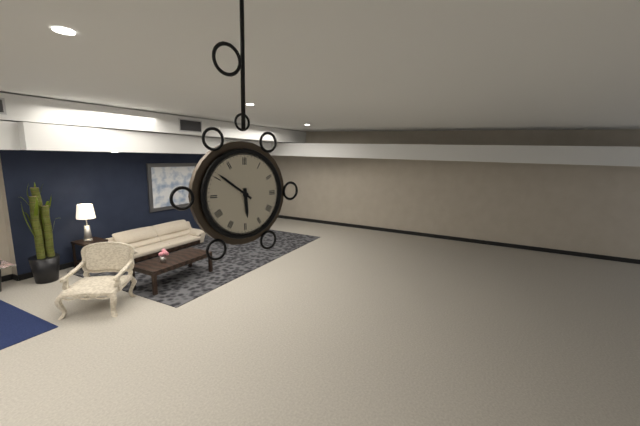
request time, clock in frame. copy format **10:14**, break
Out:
**5:51**
